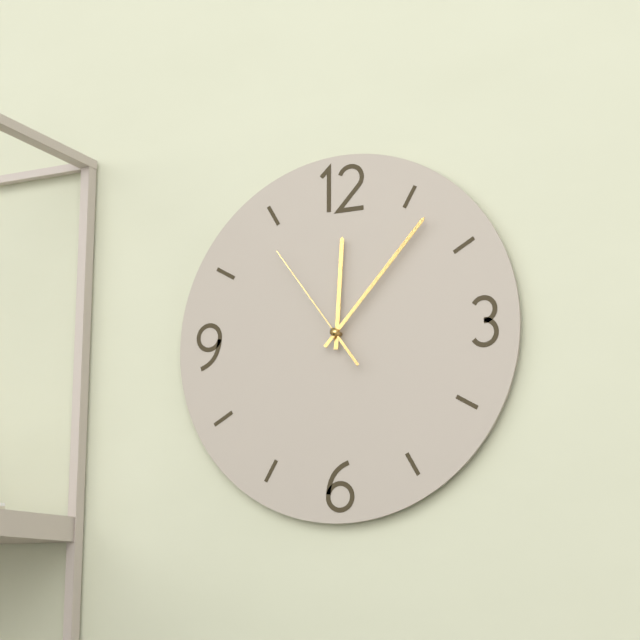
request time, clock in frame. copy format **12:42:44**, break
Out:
**12:07:54**
